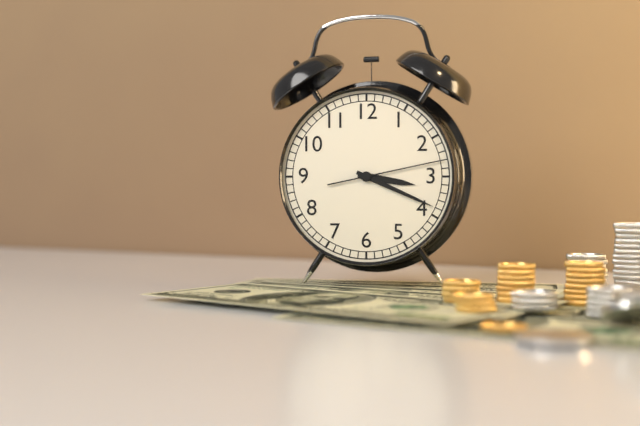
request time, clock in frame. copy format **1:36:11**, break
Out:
**3:19:13**
